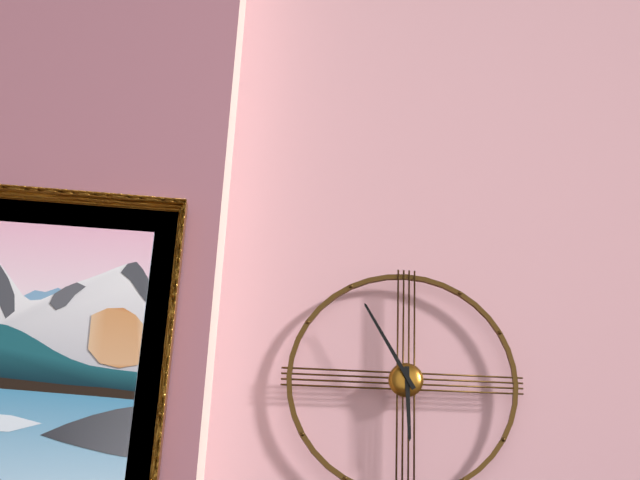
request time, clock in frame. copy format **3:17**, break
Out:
**5:55**
